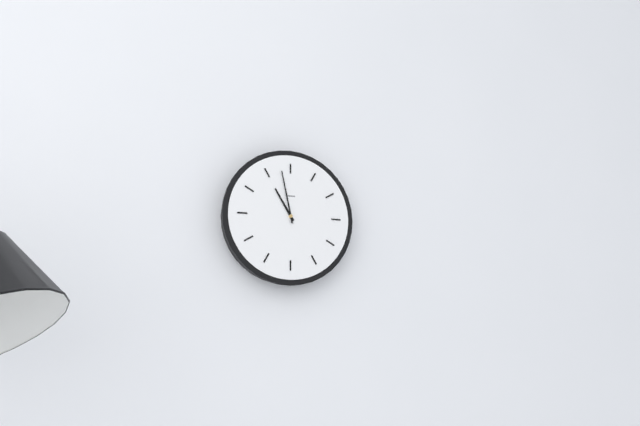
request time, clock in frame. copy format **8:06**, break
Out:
**10:58**
